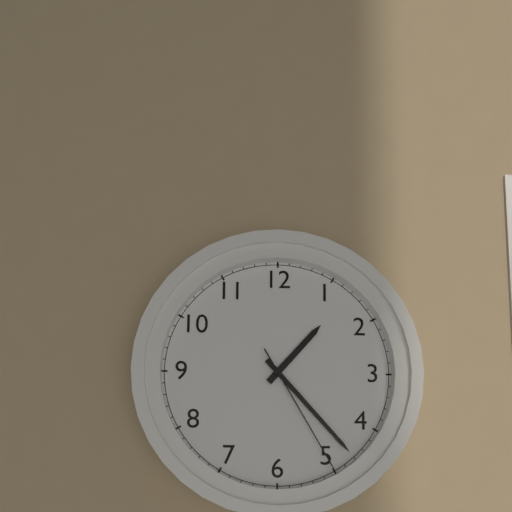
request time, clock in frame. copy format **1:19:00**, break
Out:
**1:23:25**
